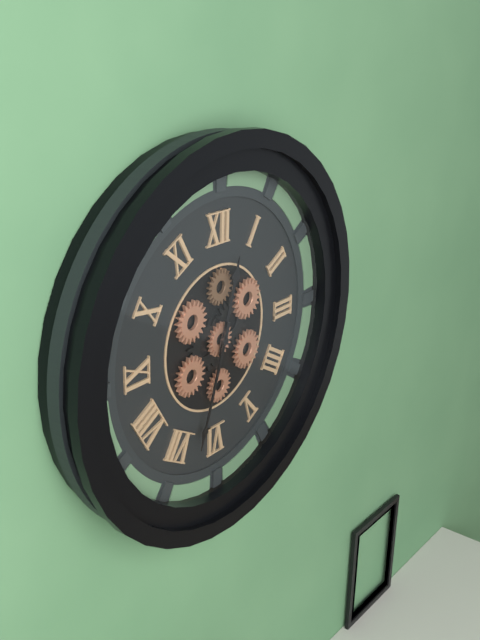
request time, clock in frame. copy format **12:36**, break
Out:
**12:33**
